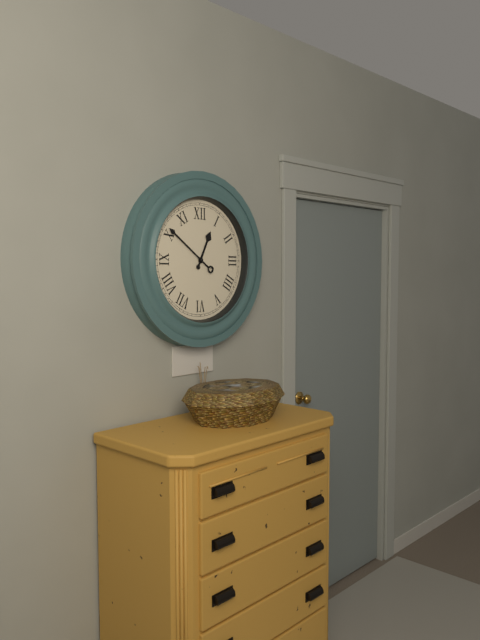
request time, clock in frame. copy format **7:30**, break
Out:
**12:51**
